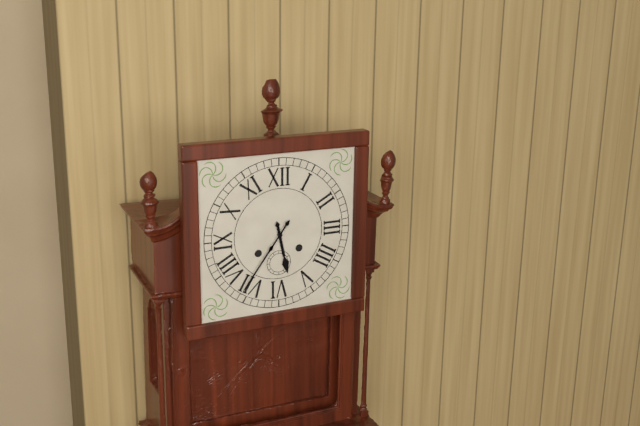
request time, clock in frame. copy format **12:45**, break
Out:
**5:36**
